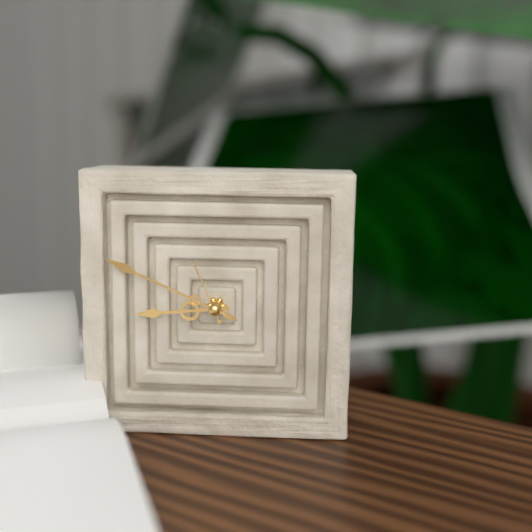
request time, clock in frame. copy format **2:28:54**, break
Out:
**8:49:56**
